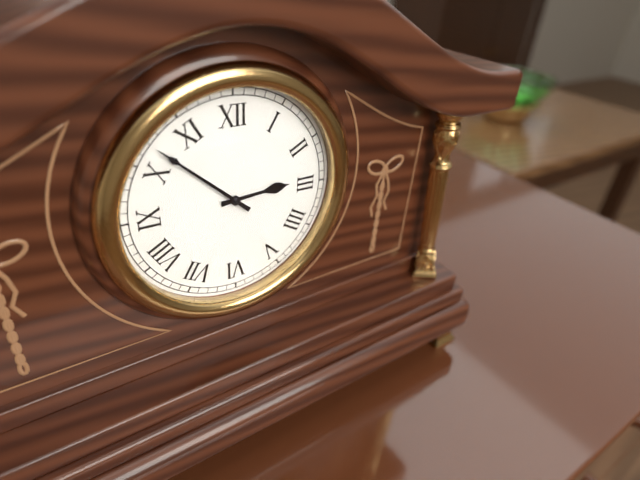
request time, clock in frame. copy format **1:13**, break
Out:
**2:52**
